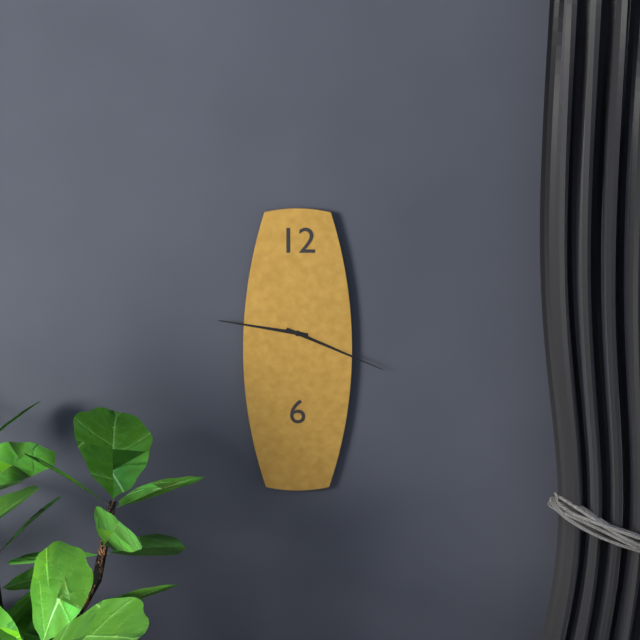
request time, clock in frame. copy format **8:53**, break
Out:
**9:19**
